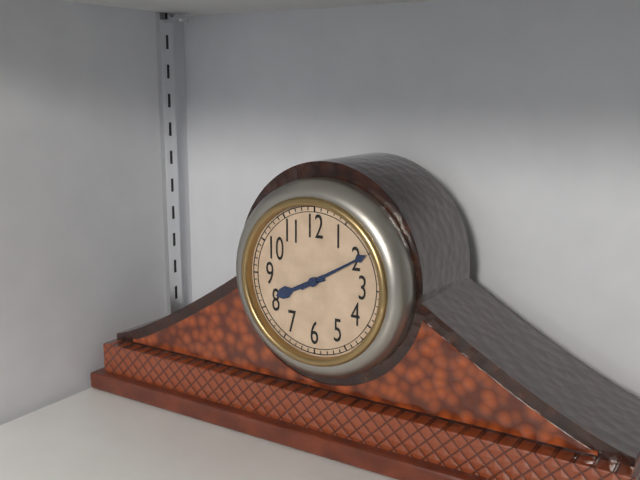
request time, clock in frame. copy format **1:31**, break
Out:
**8:10**
